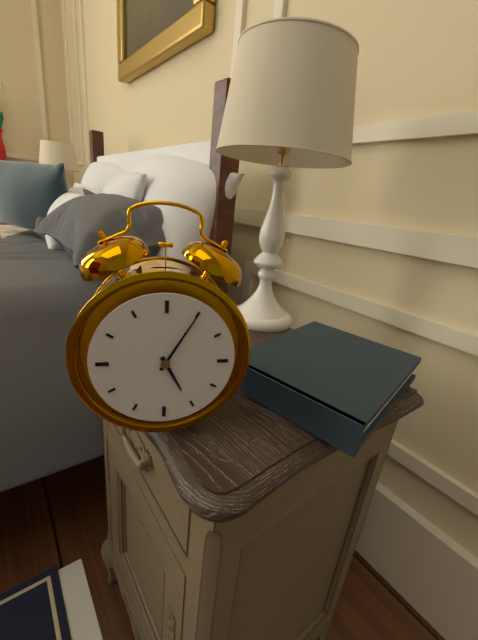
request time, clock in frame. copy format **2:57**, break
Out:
**5:05**
